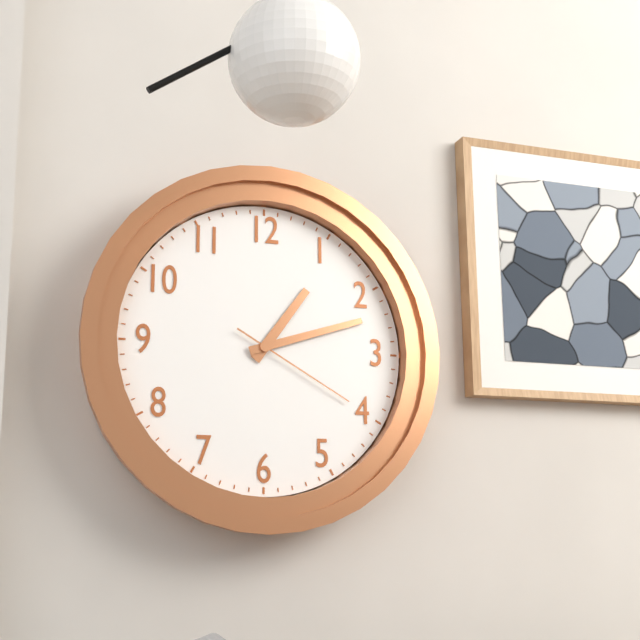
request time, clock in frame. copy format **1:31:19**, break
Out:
**1:12:20**
